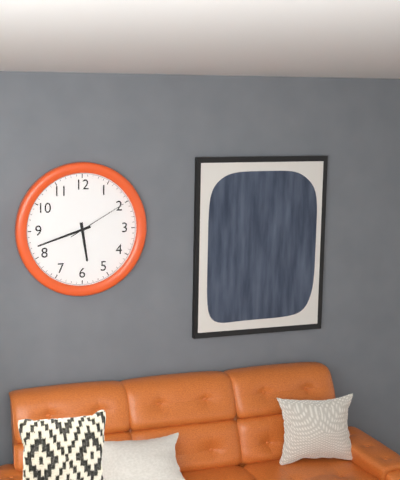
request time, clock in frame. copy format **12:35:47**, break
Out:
**5:42:10**
